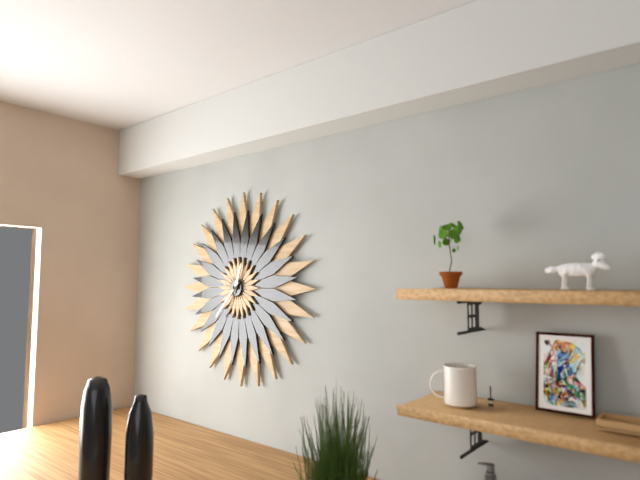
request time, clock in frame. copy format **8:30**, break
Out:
**12:37**
